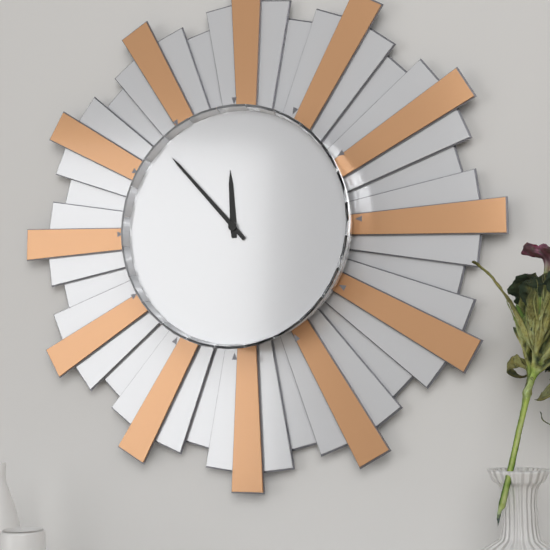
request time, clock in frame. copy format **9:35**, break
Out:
**11:53**
